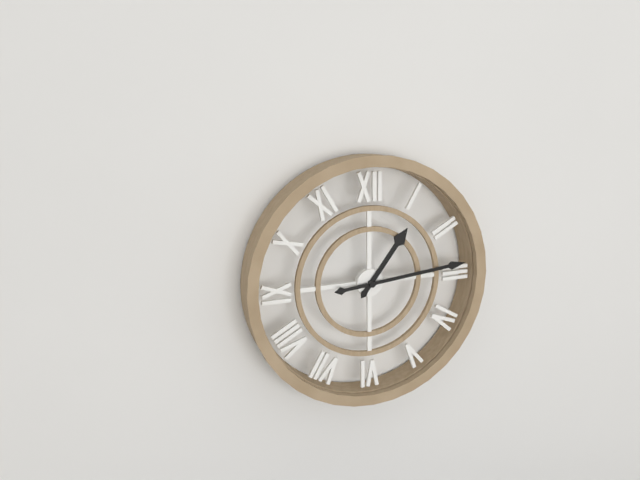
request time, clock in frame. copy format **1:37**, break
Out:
**1:14**
